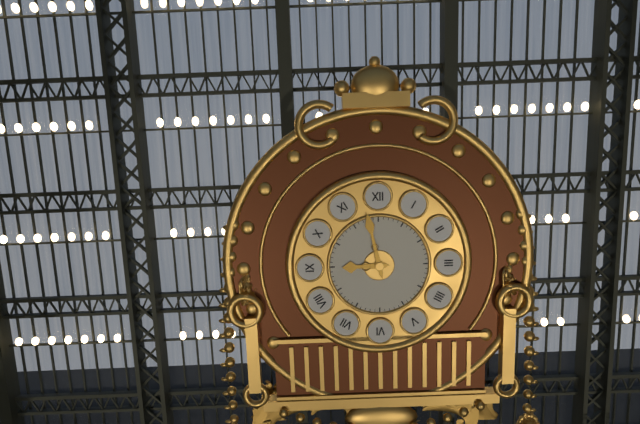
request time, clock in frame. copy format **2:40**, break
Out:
**8:58**
